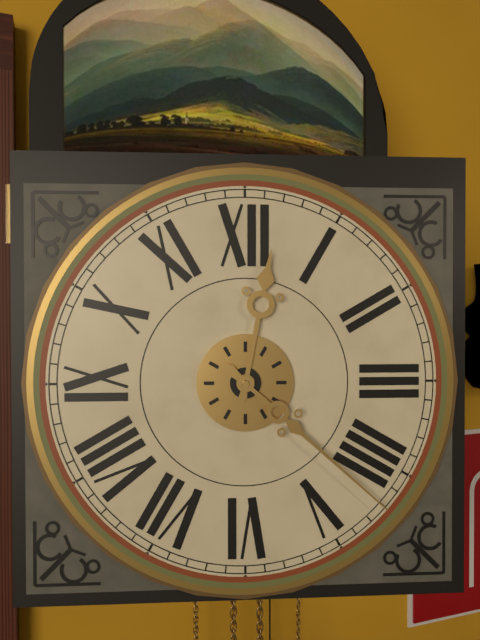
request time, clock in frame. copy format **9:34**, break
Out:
**12:22**
